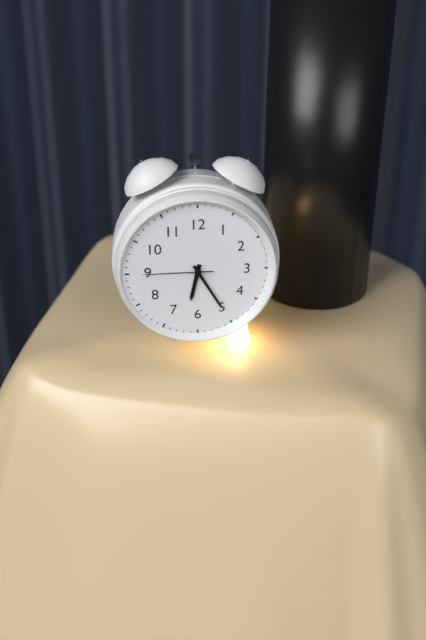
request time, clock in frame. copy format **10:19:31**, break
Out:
**6:25:45**
